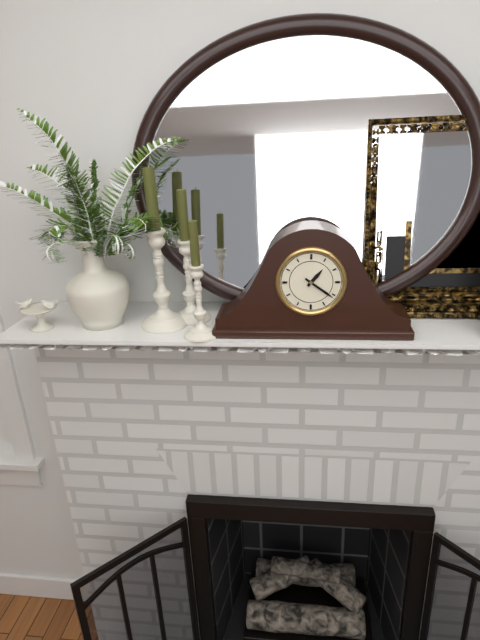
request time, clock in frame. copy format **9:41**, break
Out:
**1:21**
